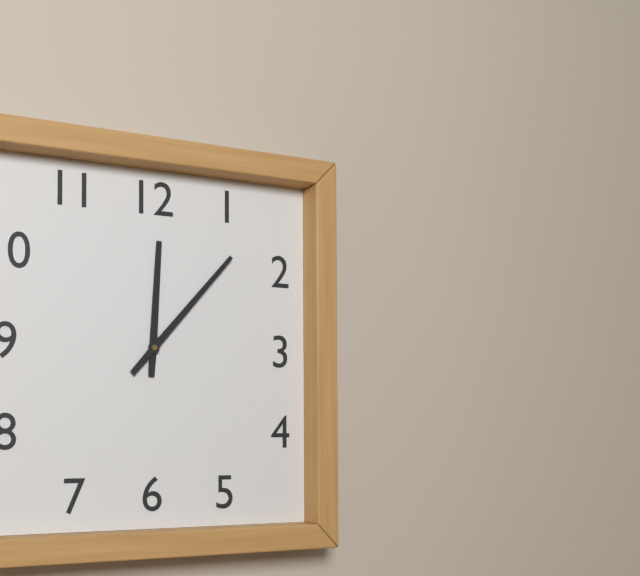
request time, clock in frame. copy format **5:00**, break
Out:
**12:07**
